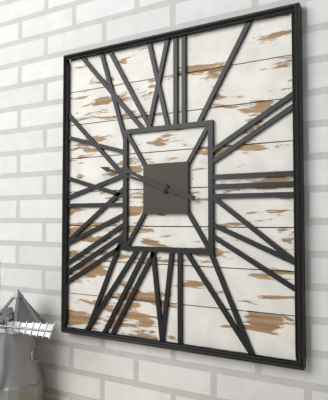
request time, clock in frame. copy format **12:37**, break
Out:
**9:48**
